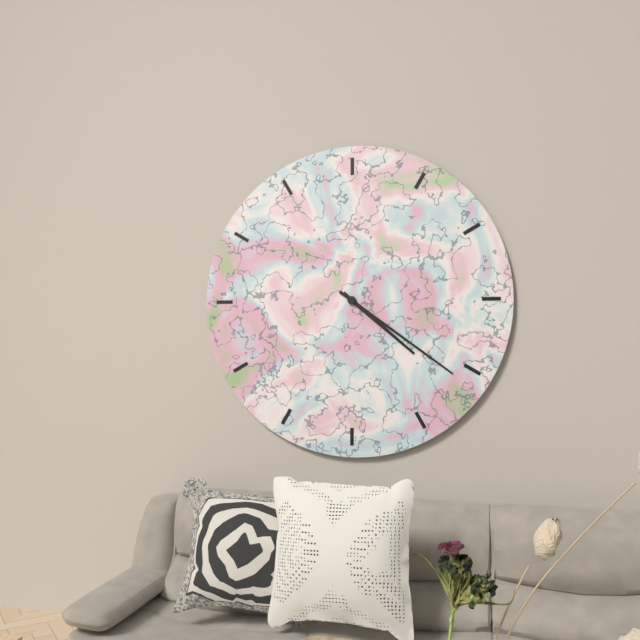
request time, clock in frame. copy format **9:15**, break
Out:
**4:21**
